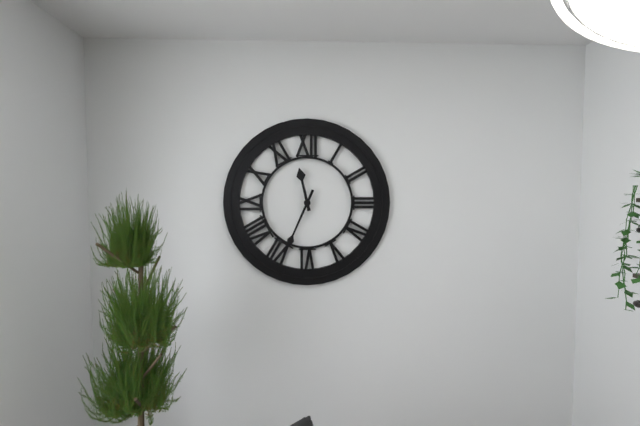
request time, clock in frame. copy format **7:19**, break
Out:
**11:34**
